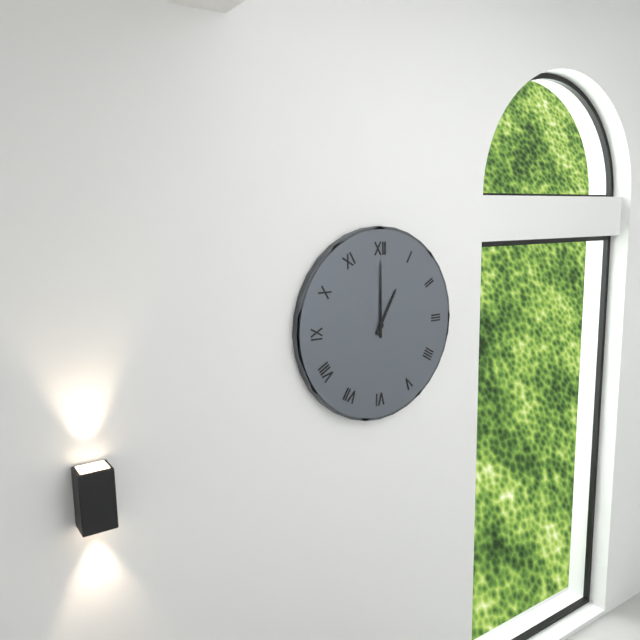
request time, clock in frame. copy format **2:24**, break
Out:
**1:00**
